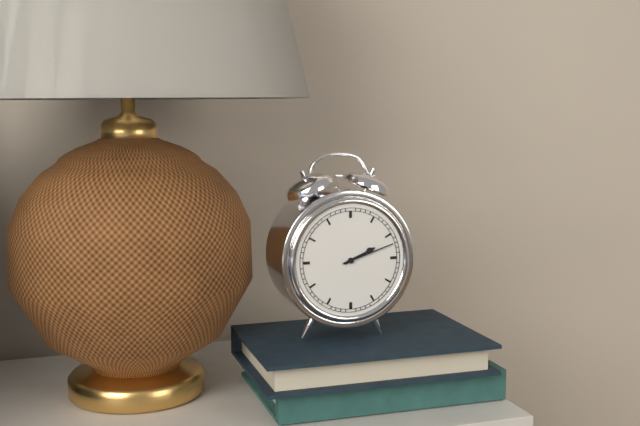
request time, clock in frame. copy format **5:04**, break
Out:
**2:12**
